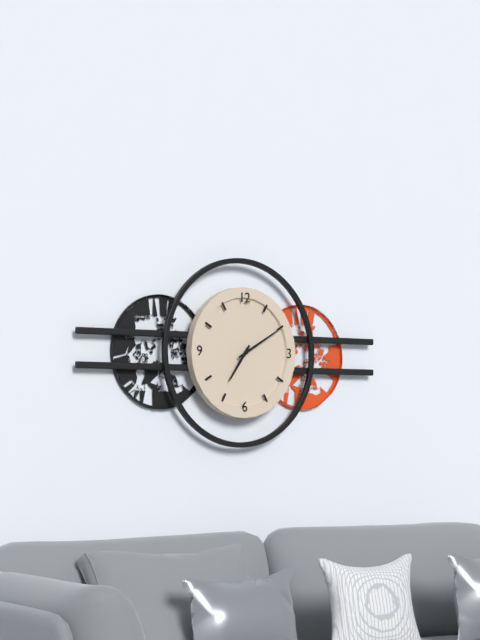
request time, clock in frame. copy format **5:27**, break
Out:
**7:10**
